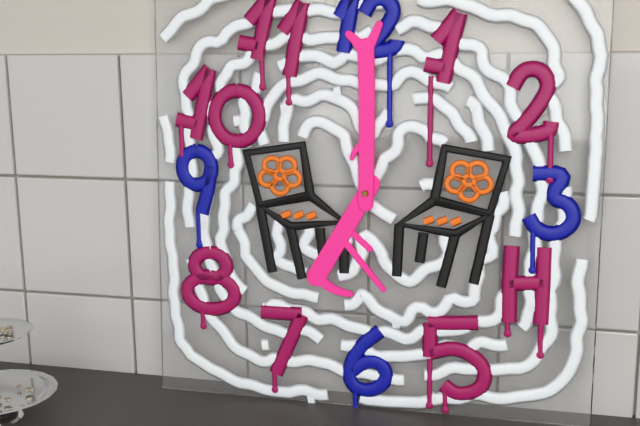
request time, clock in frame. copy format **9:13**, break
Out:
**7:00**
